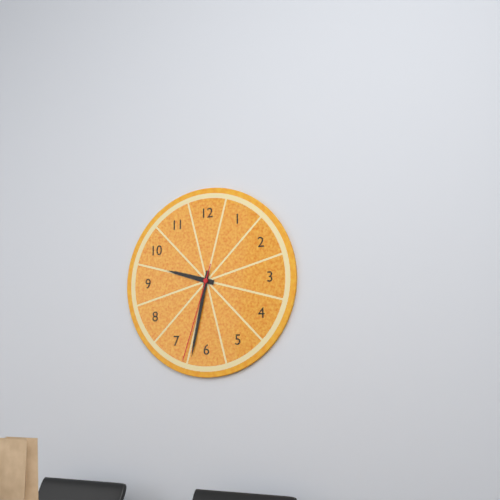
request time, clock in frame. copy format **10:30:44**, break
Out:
**9:32:33**
